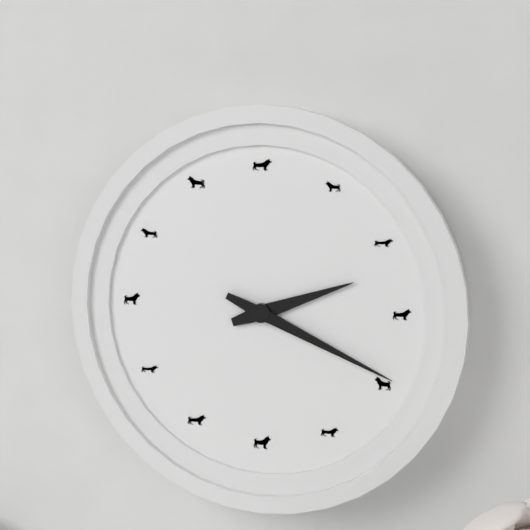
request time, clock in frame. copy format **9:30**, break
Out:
**2:19**
